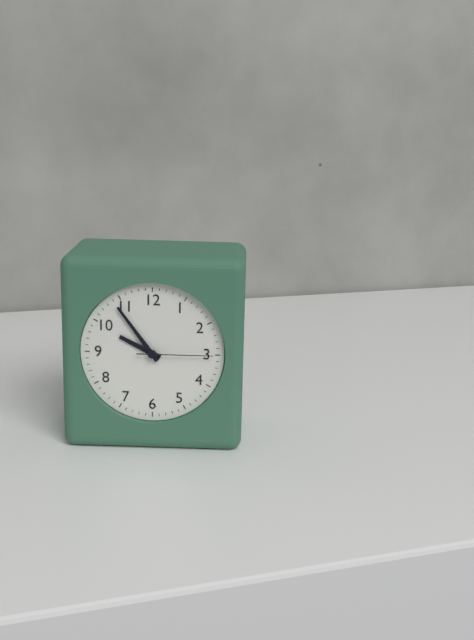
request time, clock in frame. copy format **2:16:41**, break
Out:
**9:54:15**
